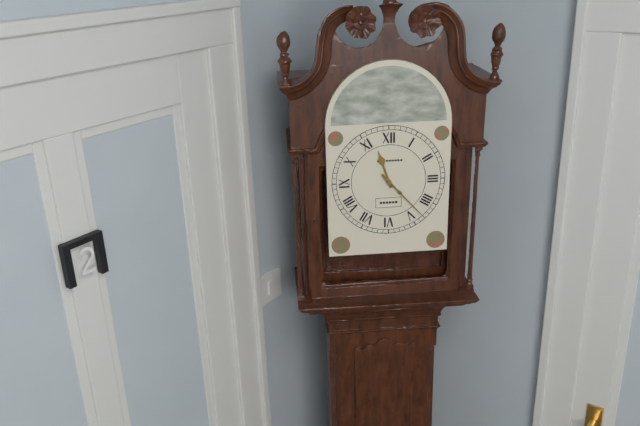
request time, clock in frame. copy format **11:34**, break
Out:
**11:23**
